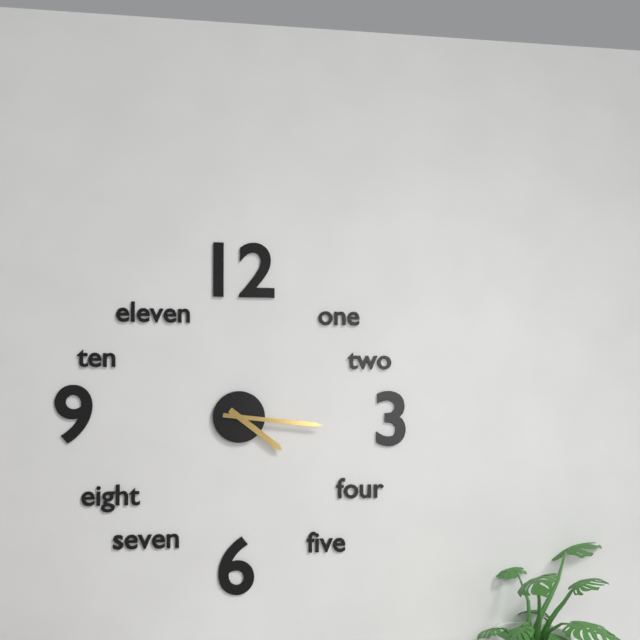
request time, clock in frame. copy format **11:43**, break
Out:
**4:16**
